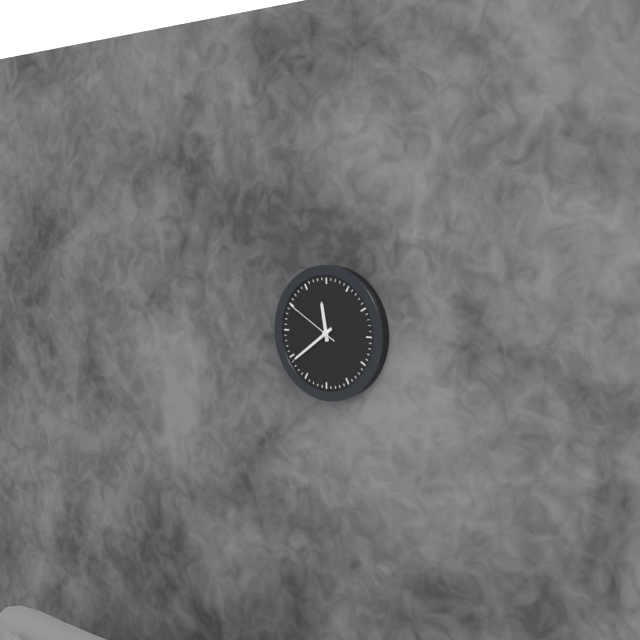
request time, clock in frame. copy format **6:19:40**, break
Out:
**11:39:50**
